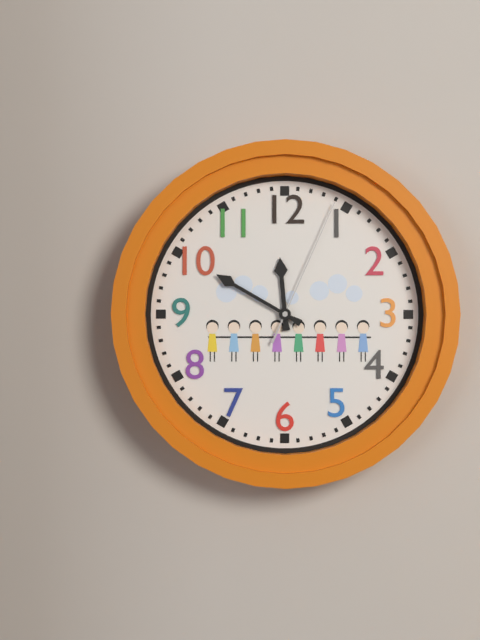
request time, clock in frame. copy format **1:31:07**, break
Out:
**11:50:04**
